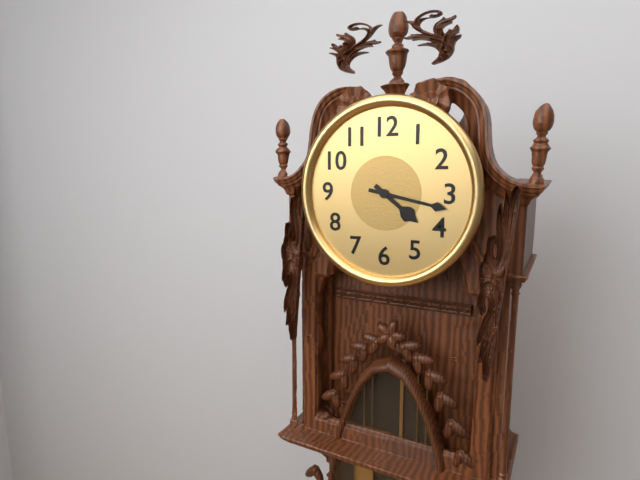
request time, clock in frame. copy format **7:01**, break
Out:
**4:17**
